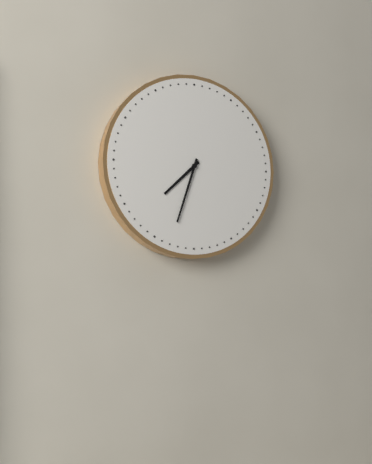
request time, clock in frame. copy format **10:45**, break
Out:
**7:33**
